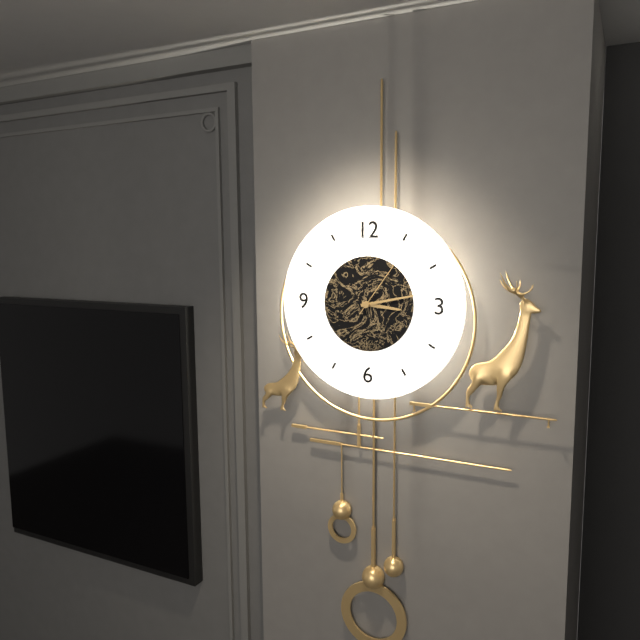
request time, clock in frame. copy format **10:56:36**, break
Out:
**3:13:06**
